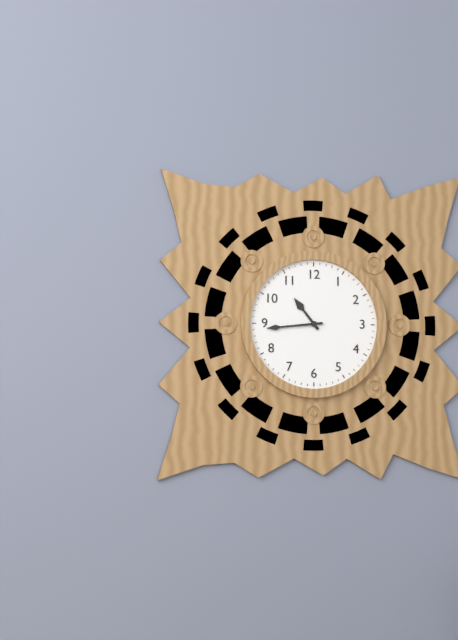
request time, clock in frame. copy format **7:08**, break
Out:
**10:44**
